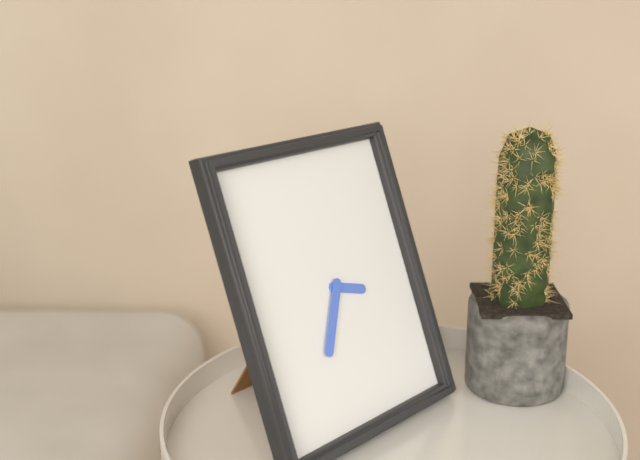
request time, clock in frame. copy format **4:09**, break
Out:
**3:35**
